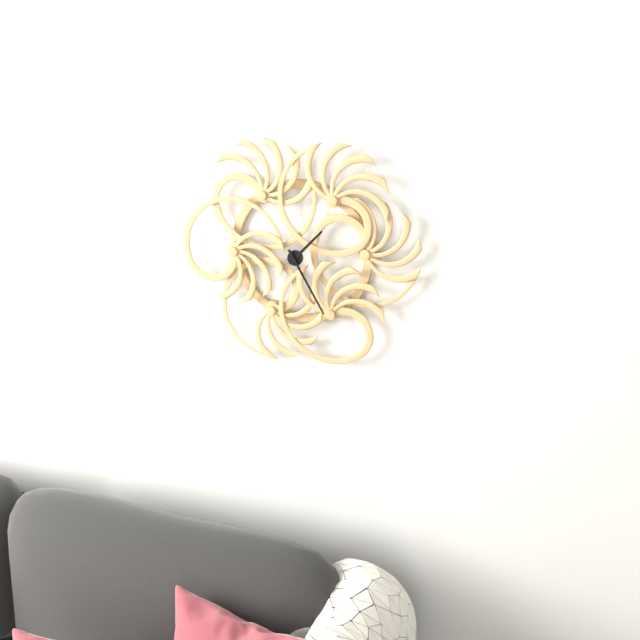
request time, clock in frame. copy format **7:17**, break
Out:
**1:25**
